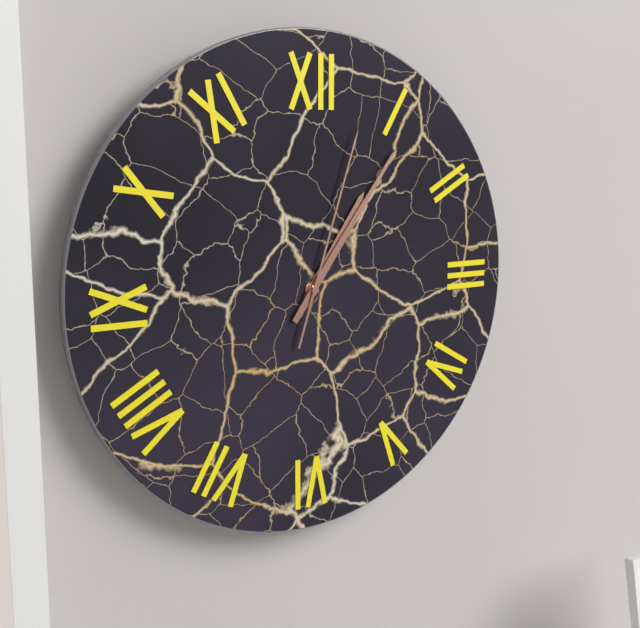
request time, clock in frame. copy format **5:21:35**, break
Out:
**1:06:03**
